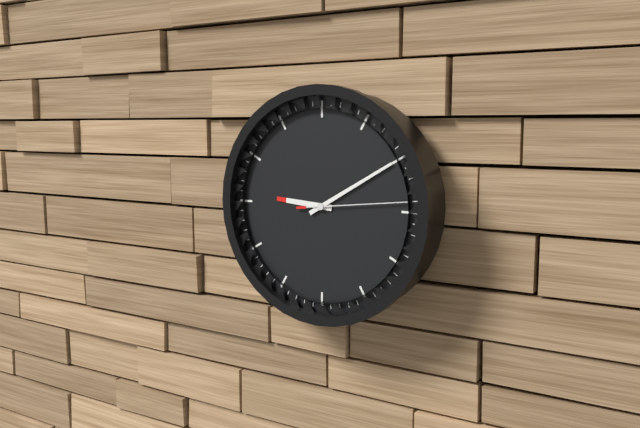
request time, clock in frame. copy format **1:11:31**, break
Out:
**9:10:14**
